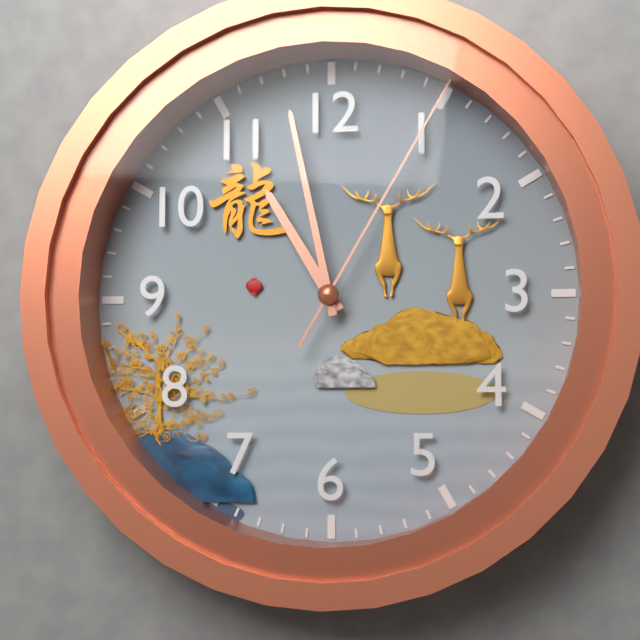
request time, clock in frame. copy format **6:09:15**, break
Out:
**10:58:05**
